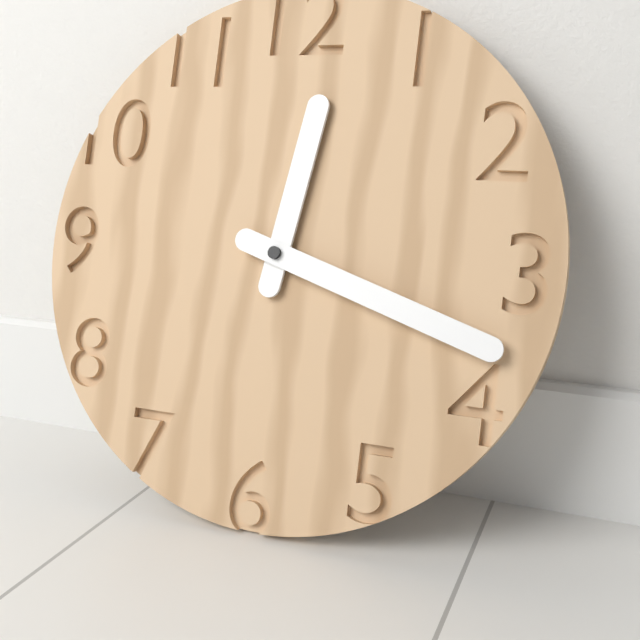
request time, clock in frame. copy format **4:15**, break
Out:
**12:18**
